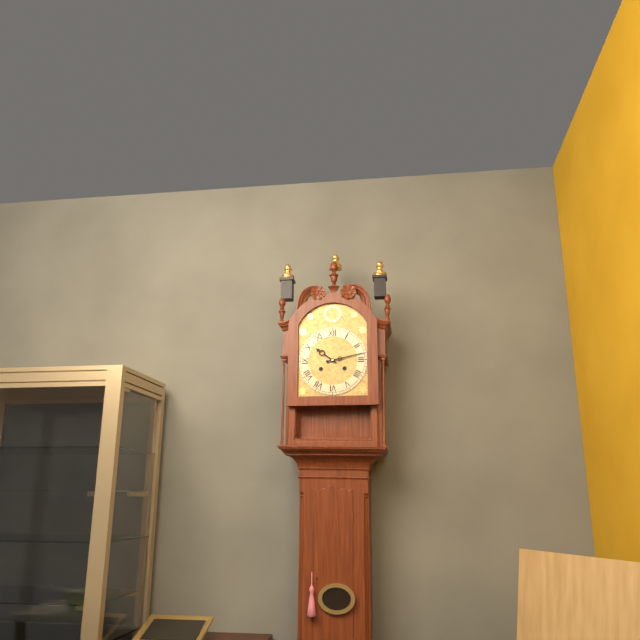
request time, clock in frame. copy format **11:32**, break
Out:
**10:13**
